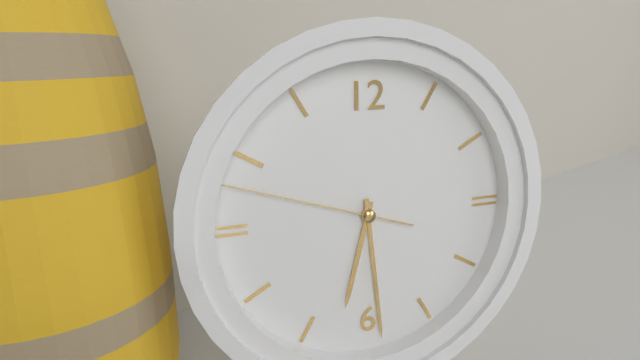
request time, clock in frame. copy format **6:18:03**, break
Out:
**6:29:48**
